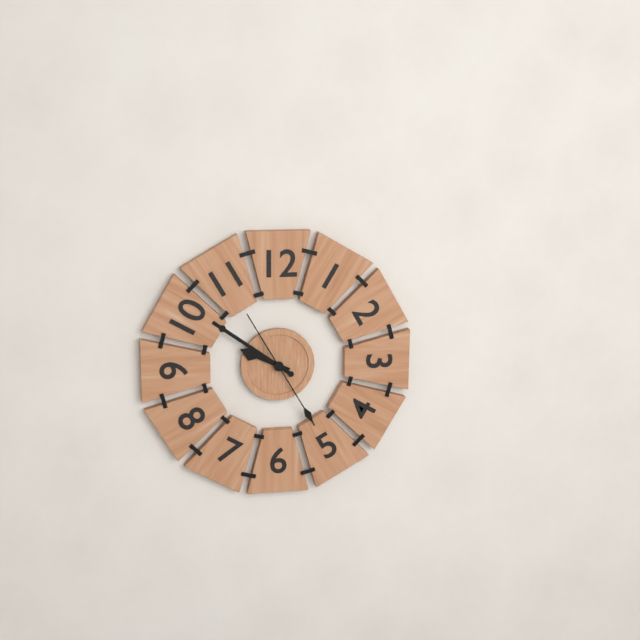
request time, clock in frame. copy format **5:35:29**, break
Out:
**9:51:25**
